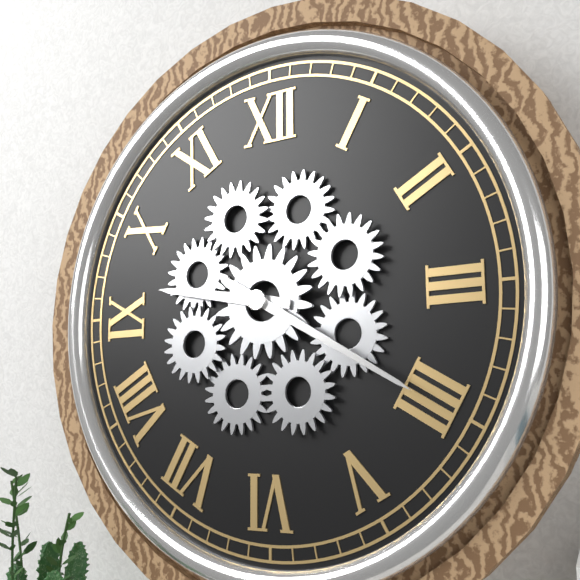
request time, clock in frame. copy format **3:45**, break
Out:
**9:20**
